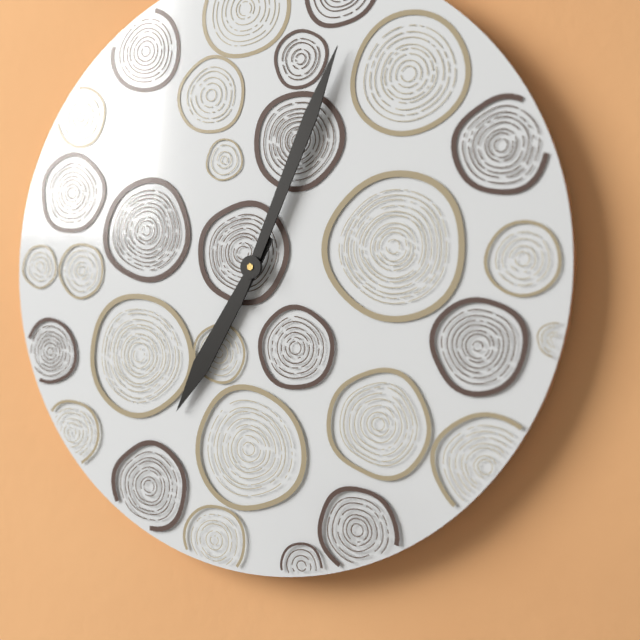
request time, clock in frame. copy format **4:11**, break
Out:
**7:04**
